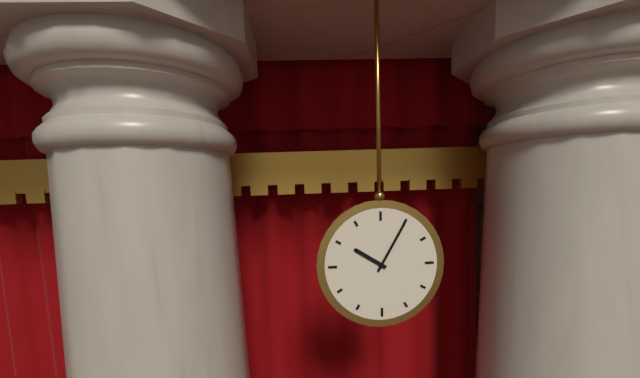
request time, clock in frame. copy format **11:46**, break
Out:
**10:05**
